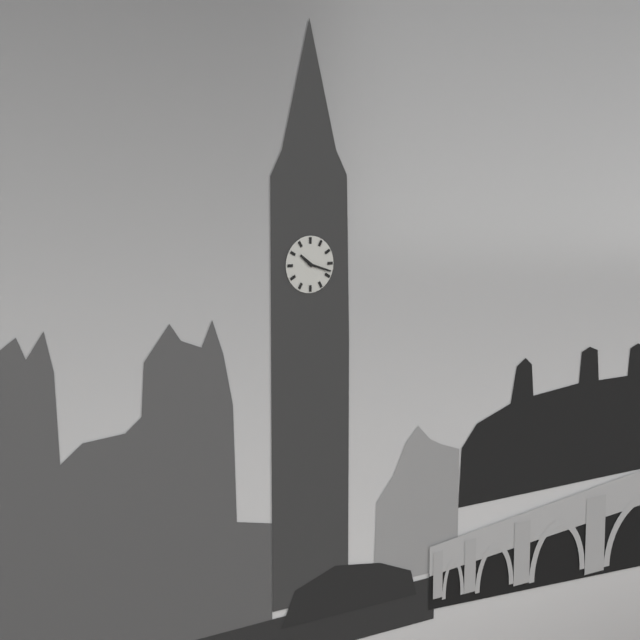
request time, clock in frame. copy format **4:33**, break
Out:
**10:18**
